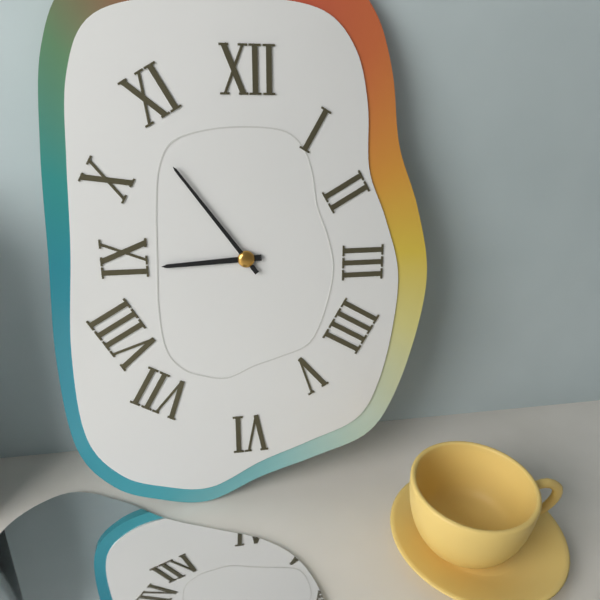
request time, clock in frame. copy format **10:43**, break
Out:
**8:54**
